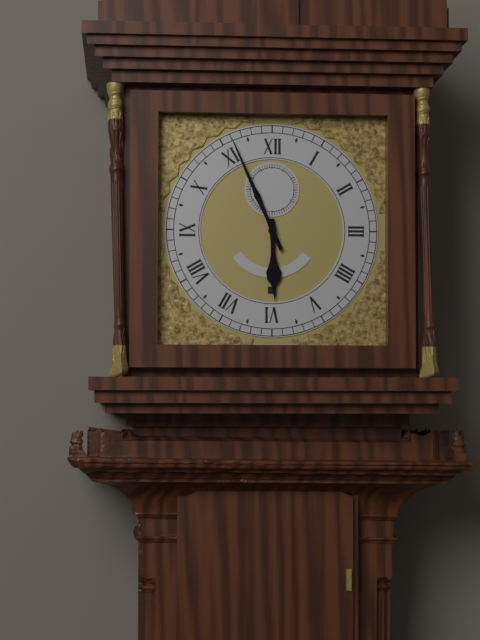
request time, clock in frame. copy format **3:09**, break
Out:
**5:56**
